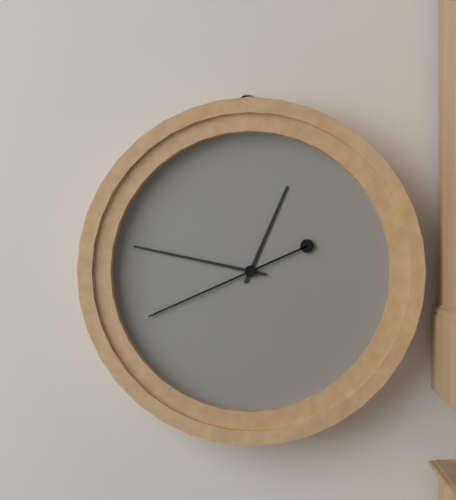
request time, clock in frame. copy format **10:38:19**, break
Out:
**12:47:41**
